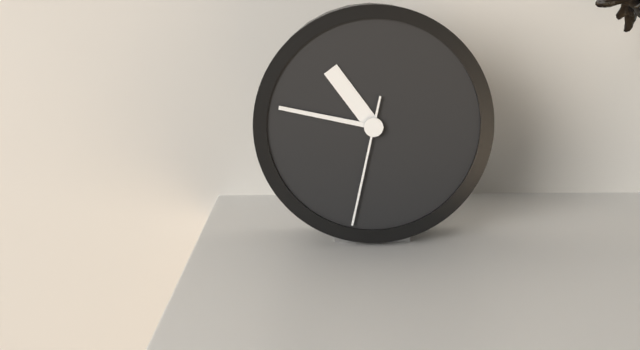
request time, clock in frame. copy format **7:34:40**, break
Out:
**10:47:32**
